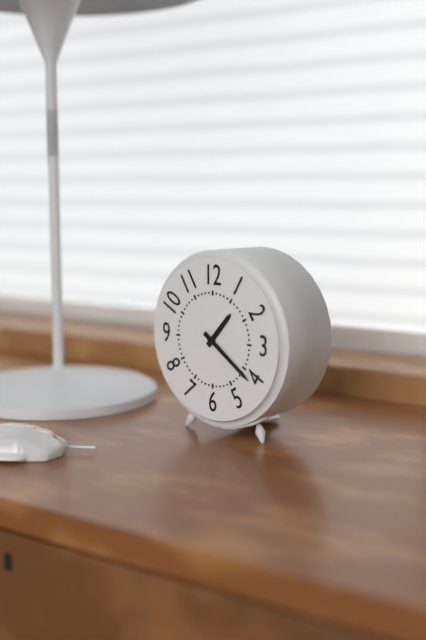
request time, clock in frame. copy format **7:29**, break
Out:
**1:21**
